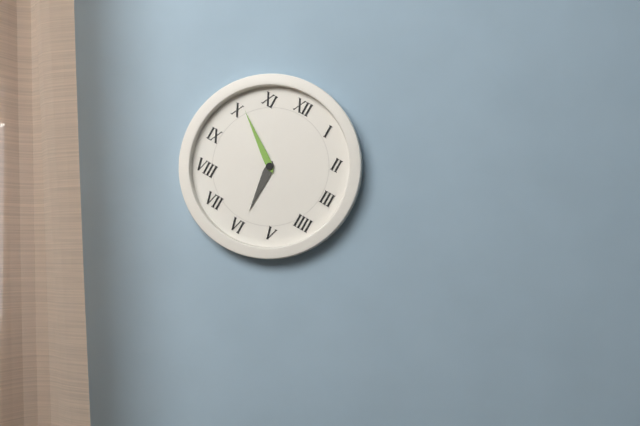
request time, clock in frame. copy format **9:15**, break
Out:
**5:51**
